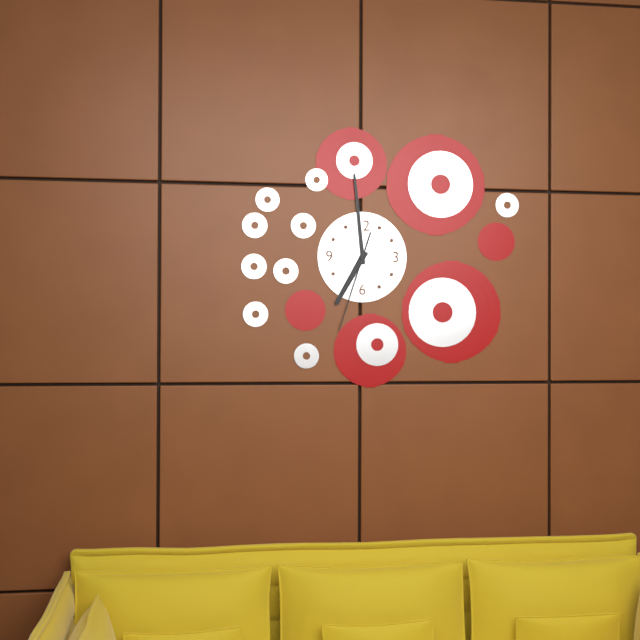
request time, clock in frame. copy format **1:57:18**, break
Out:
**6:59:33**
